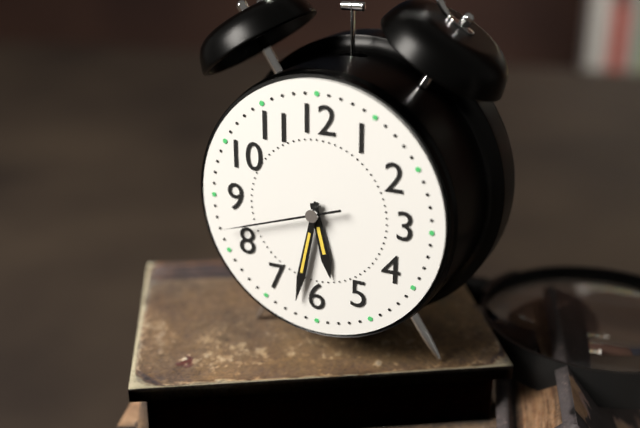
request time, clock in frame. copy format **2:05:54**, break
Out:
**5:32:42**
